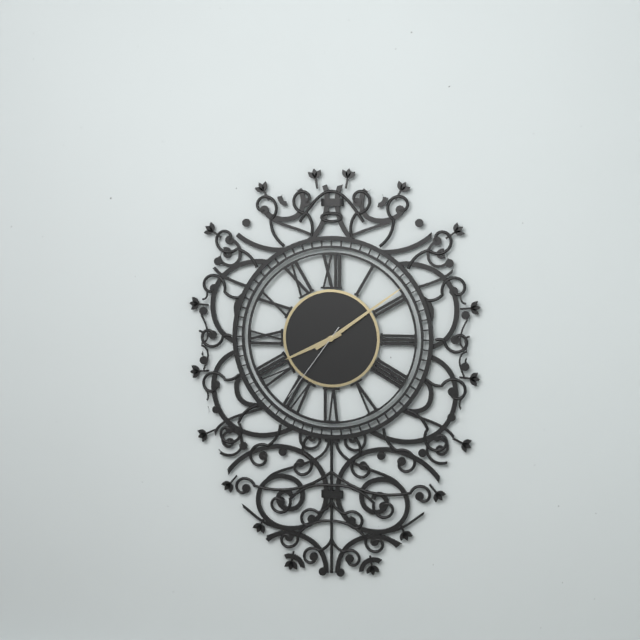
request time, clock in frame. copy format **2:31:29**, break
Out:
**8:09:36**
